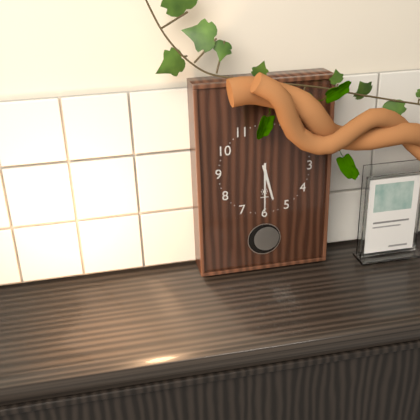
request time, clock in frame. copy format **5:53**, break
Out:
**5:30**
